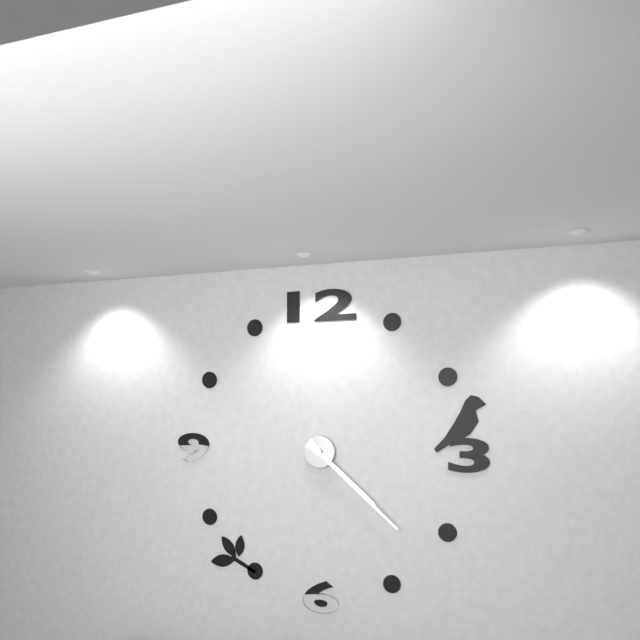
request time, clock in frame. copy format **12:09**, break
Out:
**4:22**
